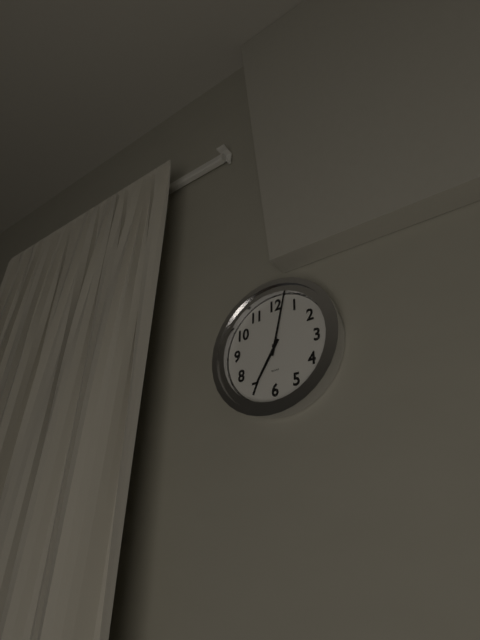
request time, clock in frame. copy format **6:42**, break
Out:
**7:02**
